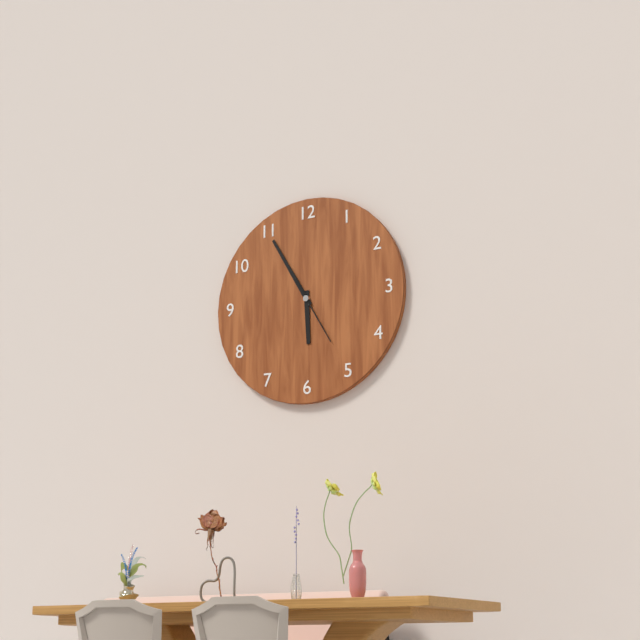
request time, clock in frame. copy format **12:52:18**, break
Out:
**5:55:25**
